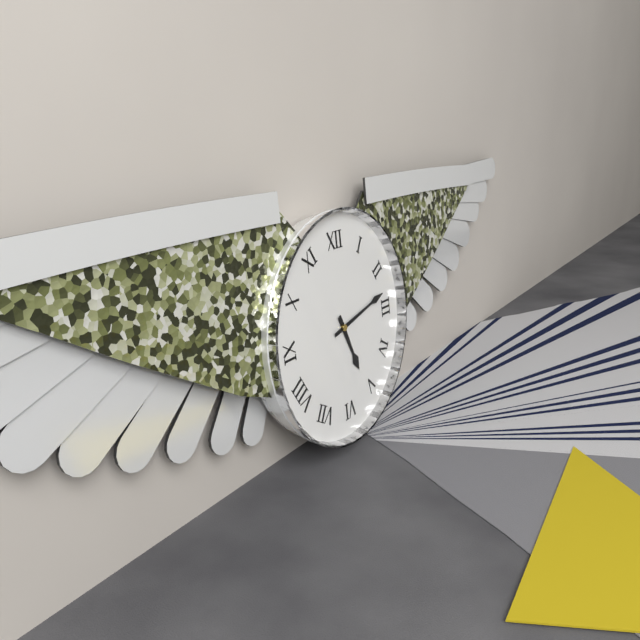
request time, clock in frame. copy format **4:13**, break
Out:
**5:13**
